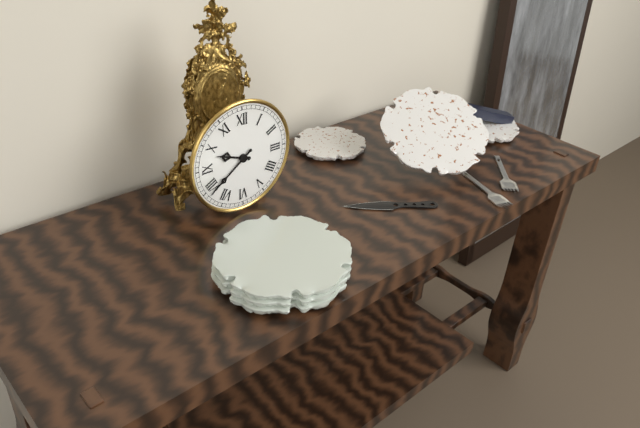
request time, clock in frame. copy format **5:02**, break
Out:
**9:39**
